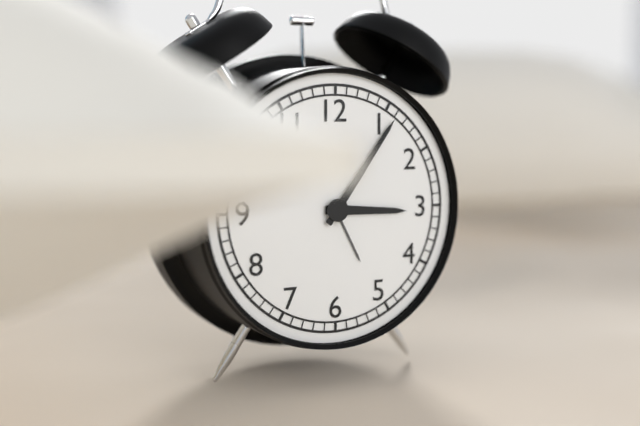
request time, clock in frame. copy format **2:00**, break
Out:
**3:06**
